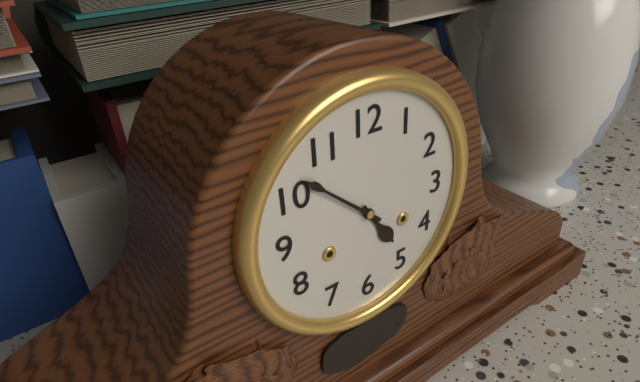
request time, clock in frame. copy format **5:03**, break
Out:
**4:52**
